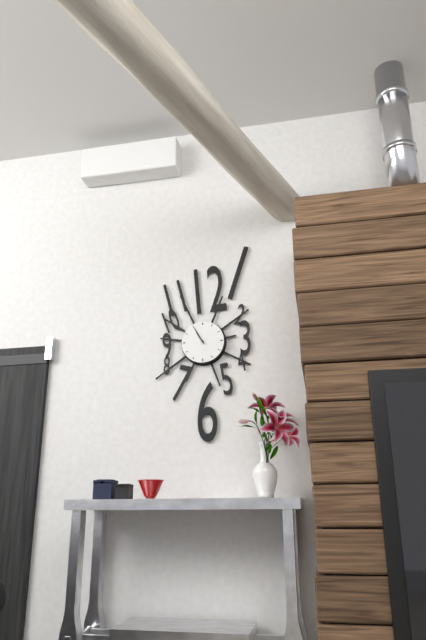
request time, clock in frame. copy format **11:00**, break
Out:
**10:55**
